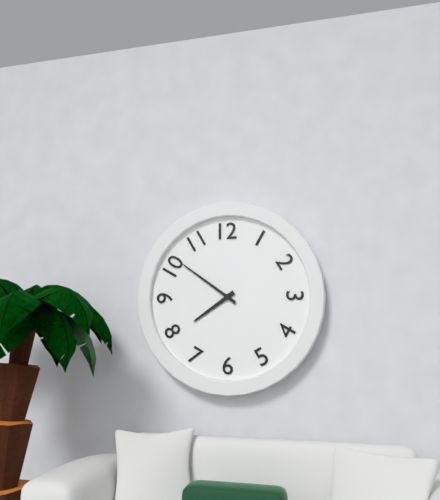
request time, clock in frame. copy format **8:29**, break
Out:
**7:51**
